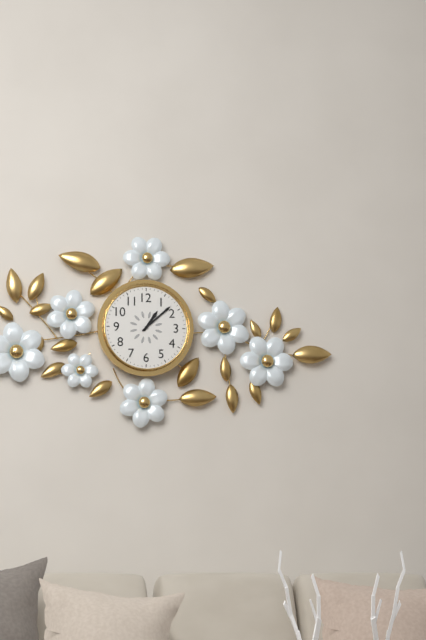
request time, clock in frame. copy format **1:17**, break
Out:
**1:08**
